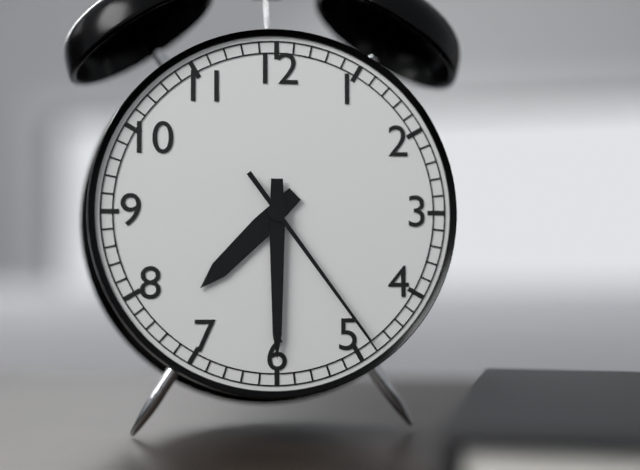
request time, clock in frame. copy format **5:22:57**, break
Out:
**7:30:24**
